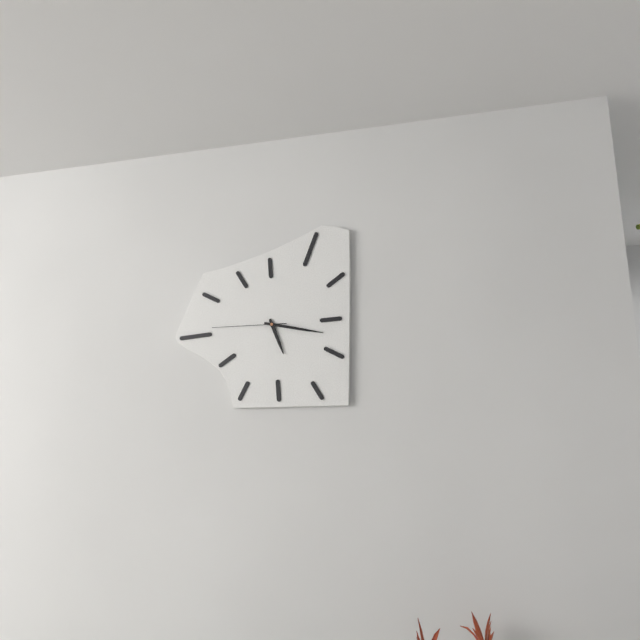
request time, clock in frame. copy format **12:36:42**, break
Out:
**5:17:45**
